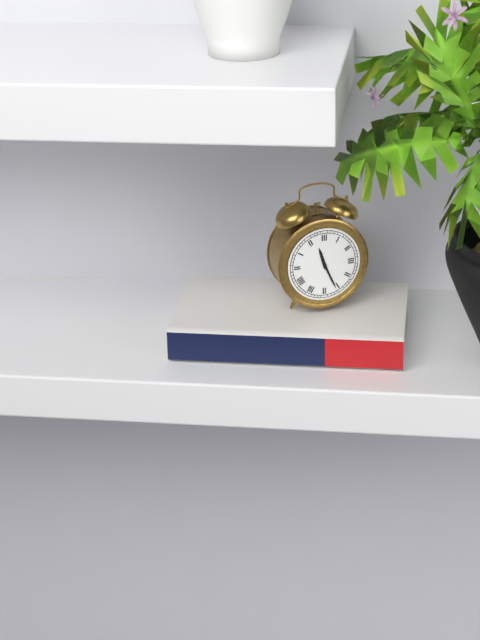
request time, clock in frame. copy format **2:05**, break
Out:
**11:26**
